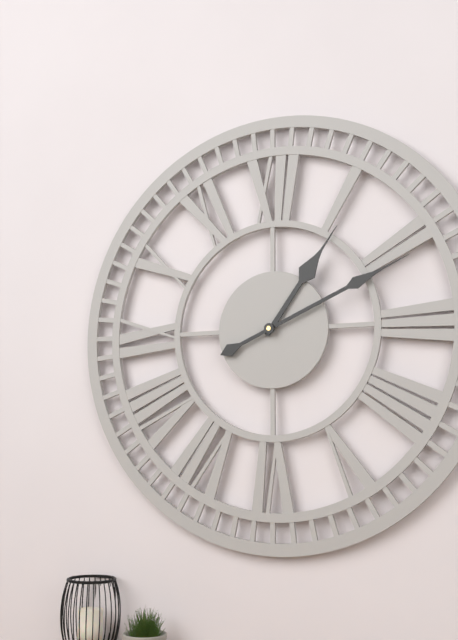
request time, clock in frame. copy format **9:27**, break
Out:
**1:11**
